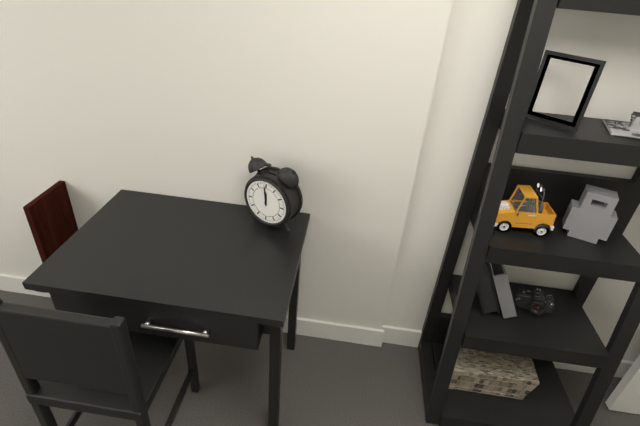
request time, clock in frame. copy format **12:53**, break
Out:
**11:59**
